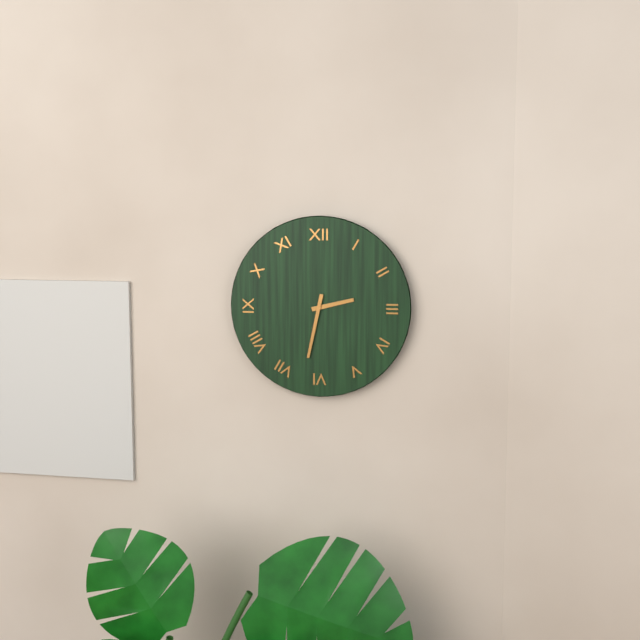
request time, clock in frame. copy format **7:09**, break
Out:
**2:32**
